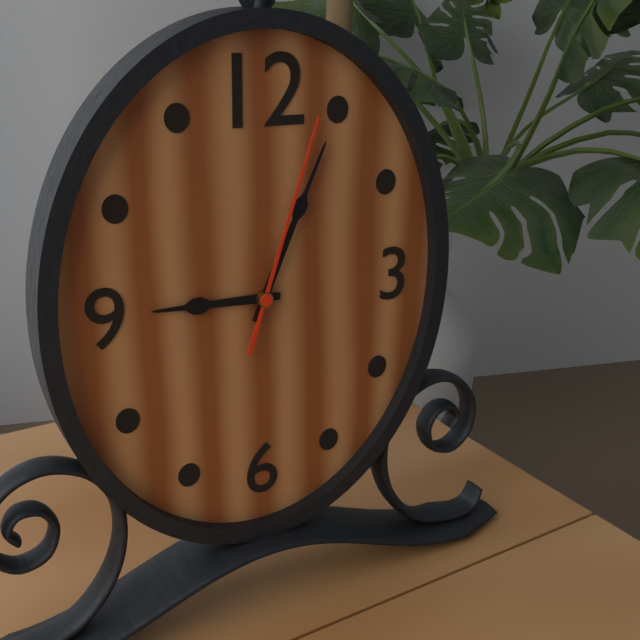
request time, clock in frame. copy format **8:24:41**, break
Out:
**9:04:03**
